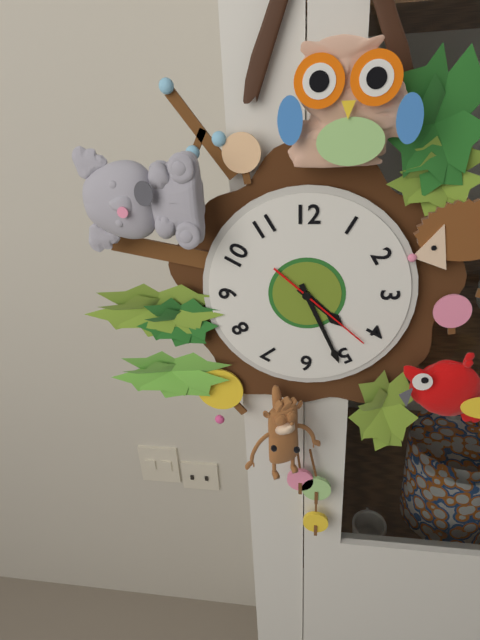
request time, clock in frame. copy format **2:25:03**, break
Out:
**4:26:22**
